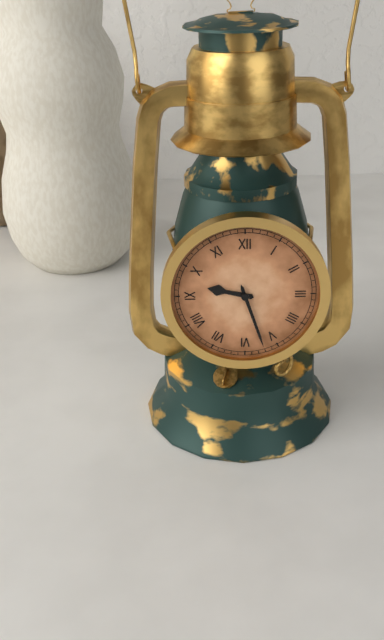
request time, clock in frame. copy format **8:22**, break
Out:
**9:27**
